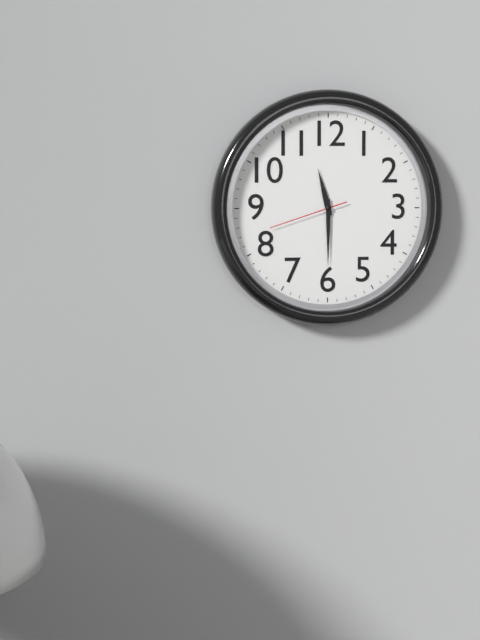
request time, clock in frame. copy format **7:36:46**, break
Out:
**11:30:42**
